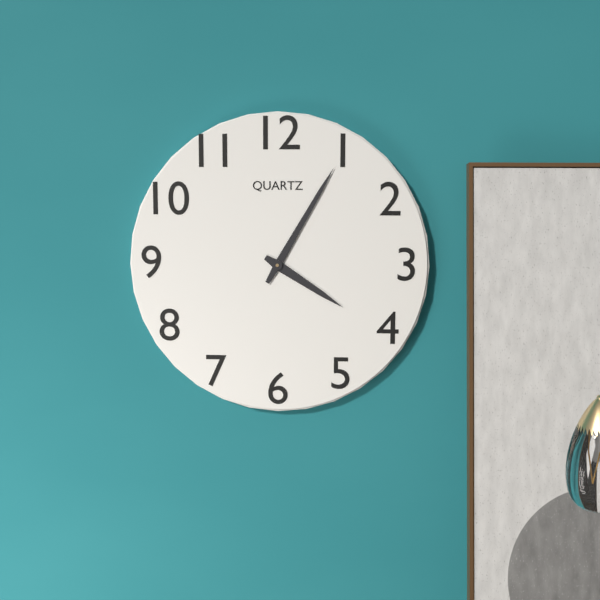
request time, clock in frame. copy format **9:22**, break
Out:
**4:05**
